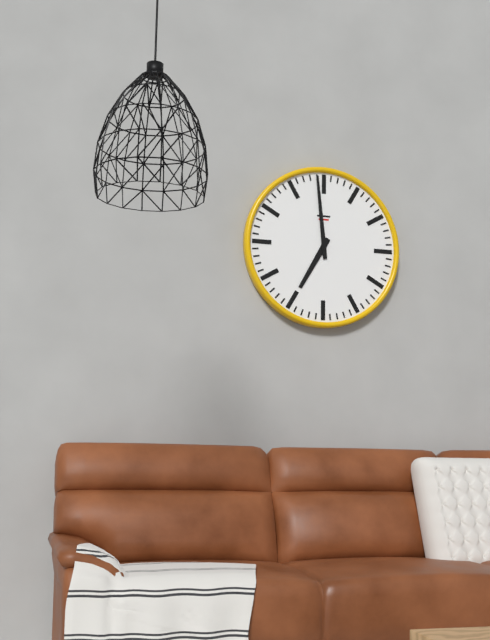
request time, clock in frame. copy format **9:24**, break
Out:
**6:59**
